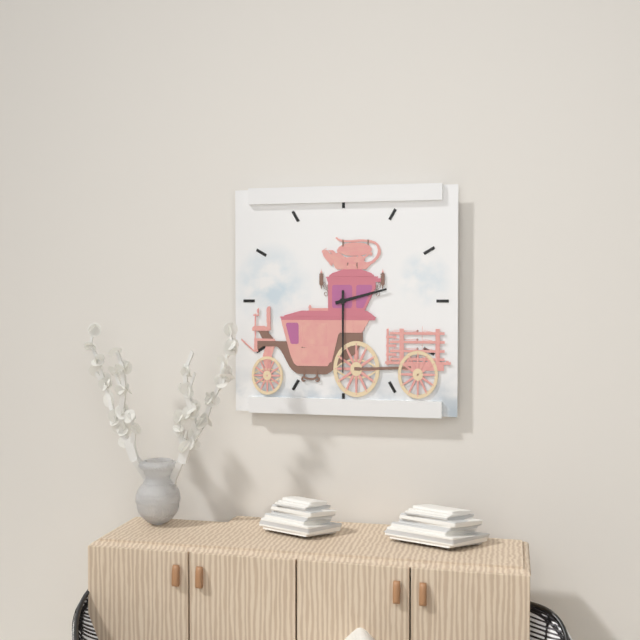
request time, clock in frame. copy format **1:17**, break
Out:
**2:30**
